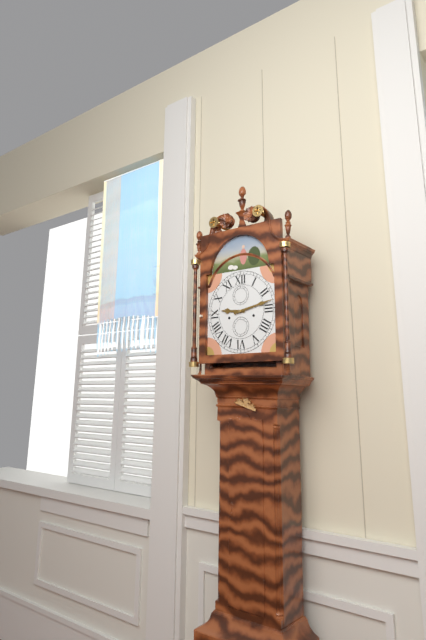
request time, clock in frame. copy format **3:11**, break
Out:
**9:13**
